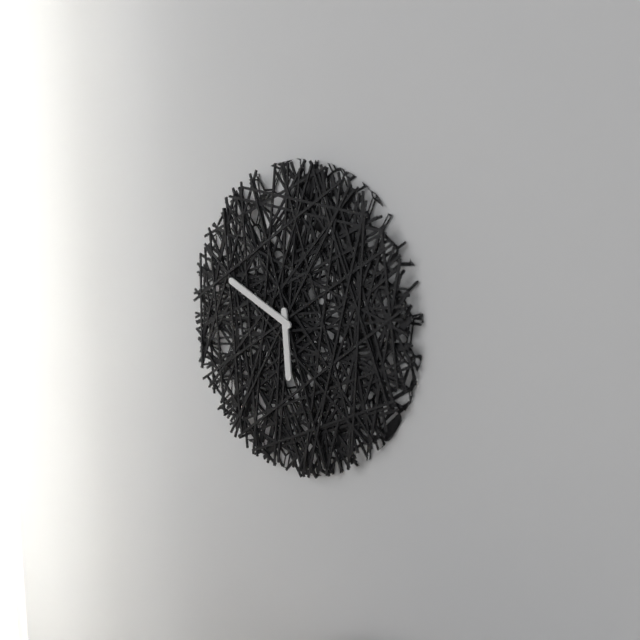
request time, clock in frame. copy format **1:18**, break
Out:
**5:49**
